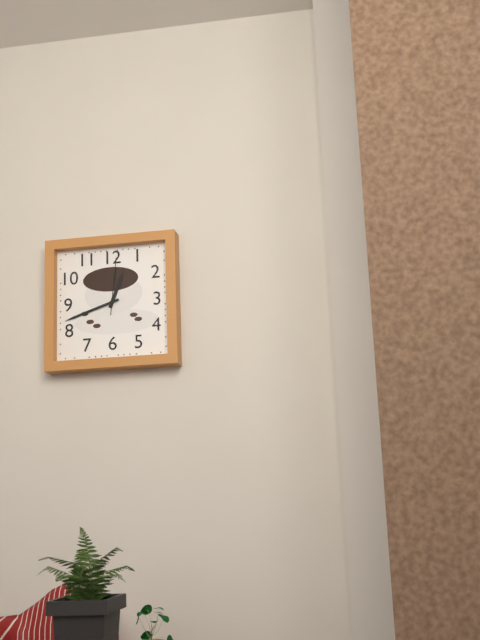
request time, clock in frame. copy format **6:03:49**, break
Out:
**12:42:01**
